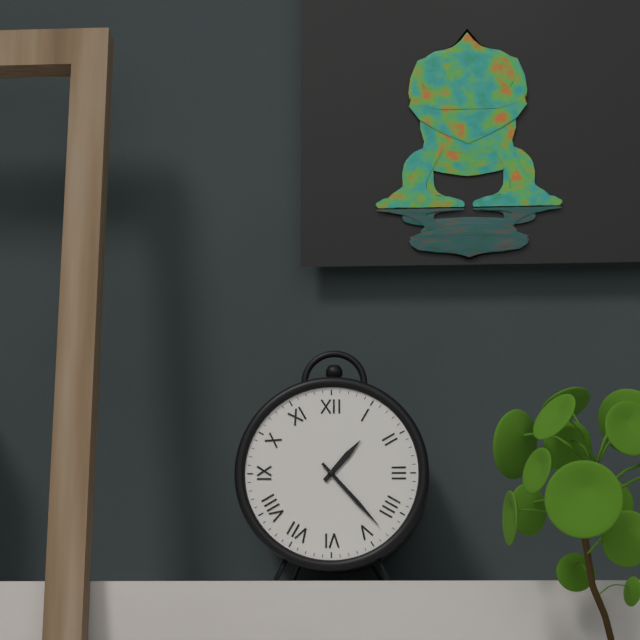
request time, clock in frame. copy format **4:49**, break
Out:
**1:23**
